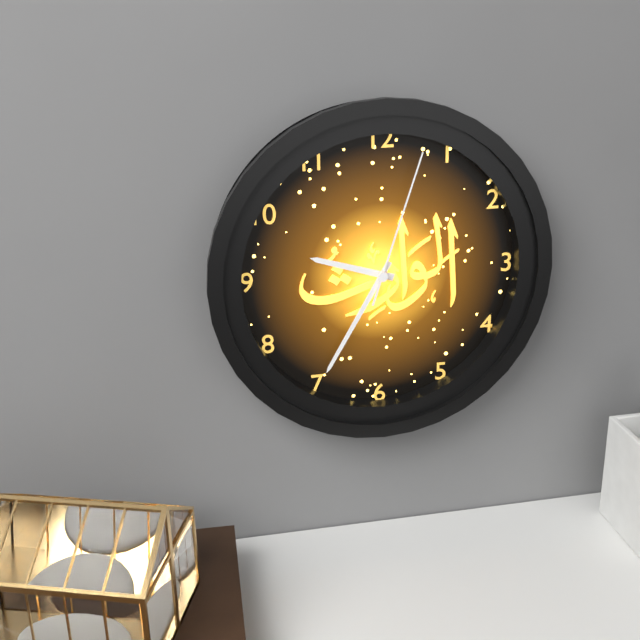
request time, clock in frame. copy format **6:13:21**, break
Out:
**9:35:03**
